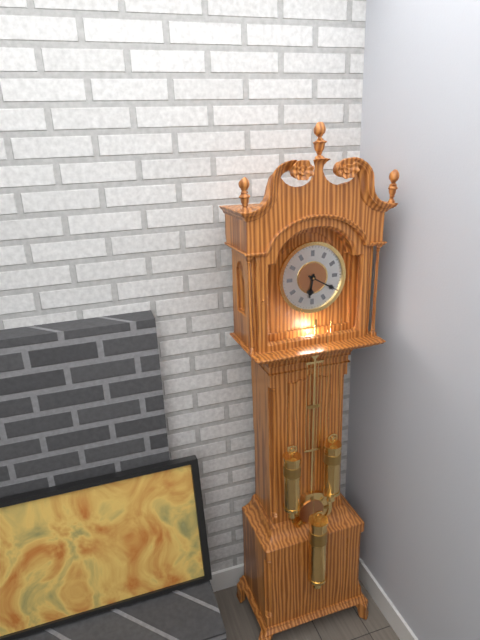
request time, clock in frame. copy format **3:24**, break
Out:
**6:20**
